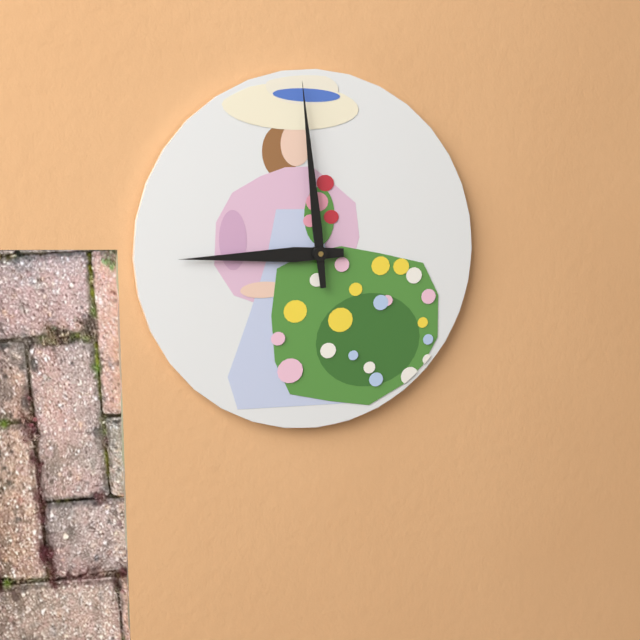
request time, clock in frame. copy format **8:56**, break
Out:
**8:59**
